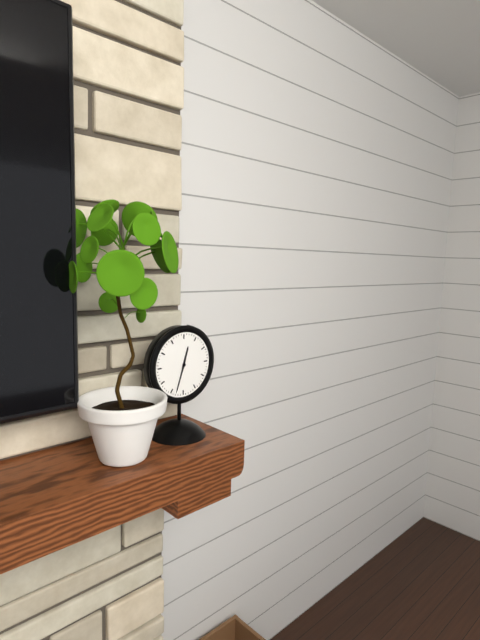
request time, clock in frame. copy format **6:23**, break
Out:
**12:33**
